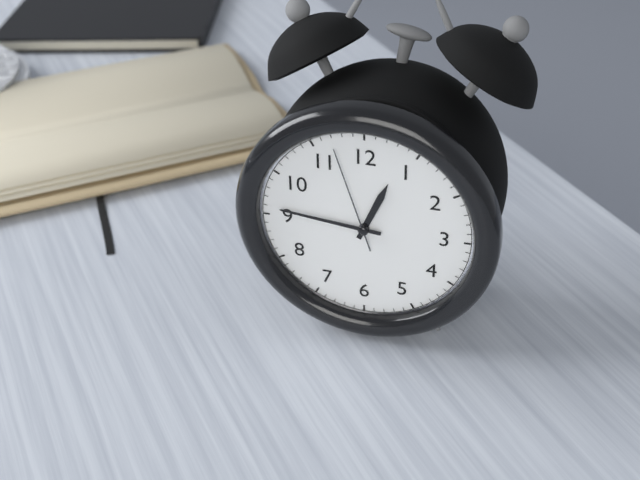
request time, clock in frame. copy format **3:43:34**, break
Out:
**12:46:57**
